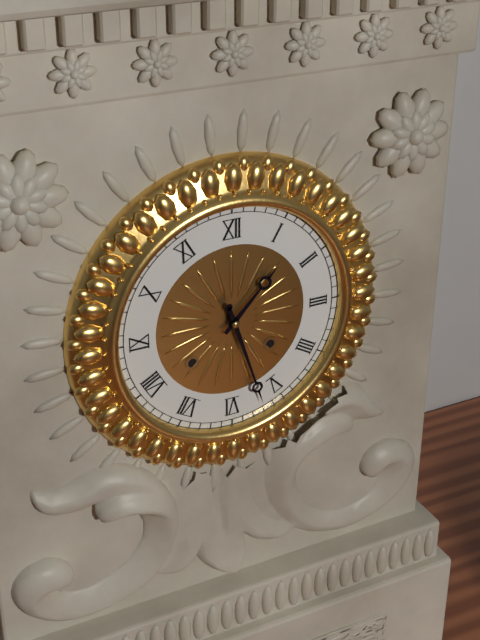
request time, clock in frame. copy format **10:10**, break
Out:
**1:27**
